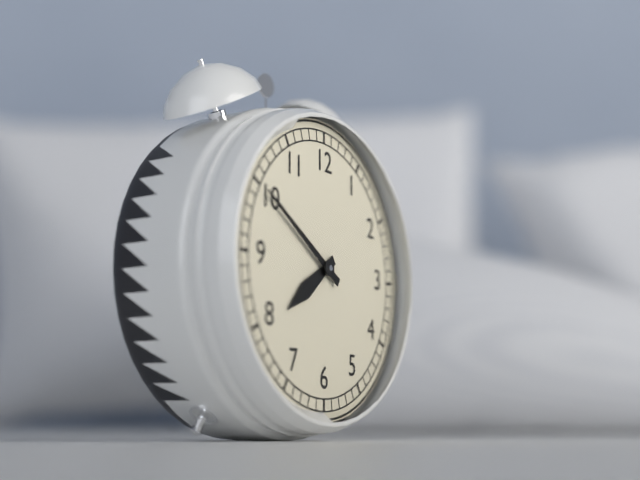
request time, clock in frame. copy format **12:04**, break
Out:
**7:50**
